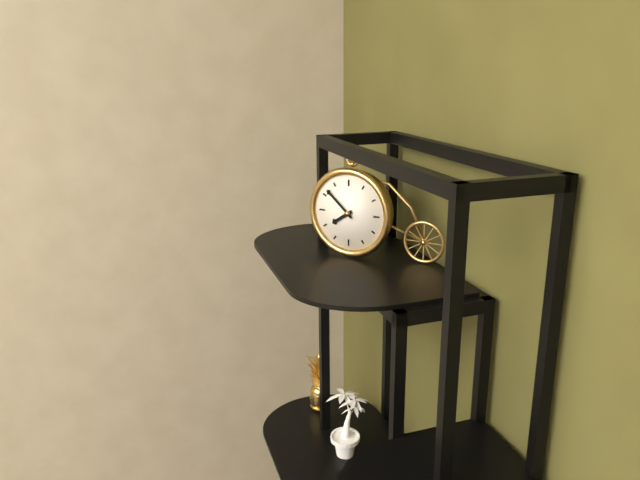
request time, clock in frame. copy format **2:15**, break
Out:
**7:52**
